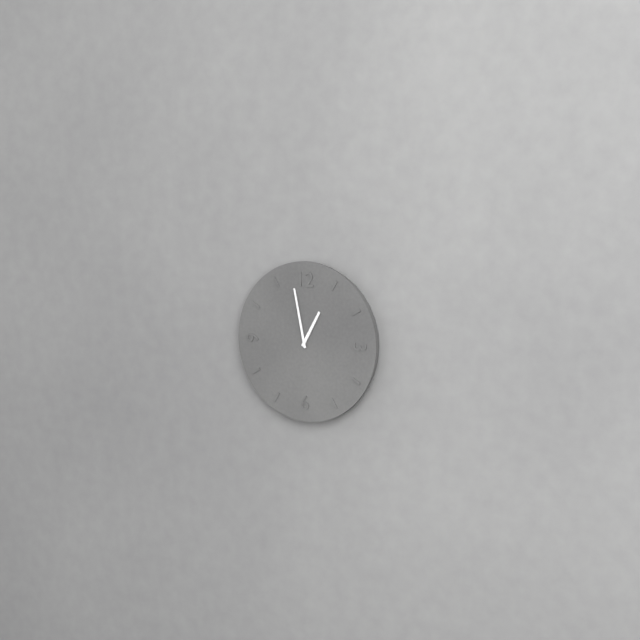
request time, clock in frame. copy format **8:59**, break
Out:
**12:58**
